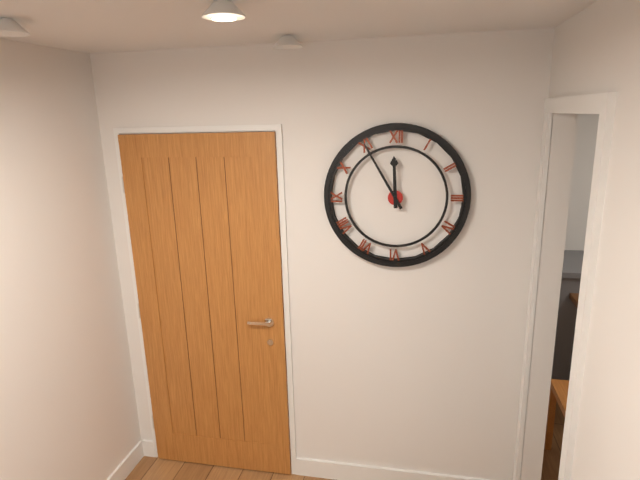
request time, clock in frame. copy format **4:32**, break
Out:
**11:55**
